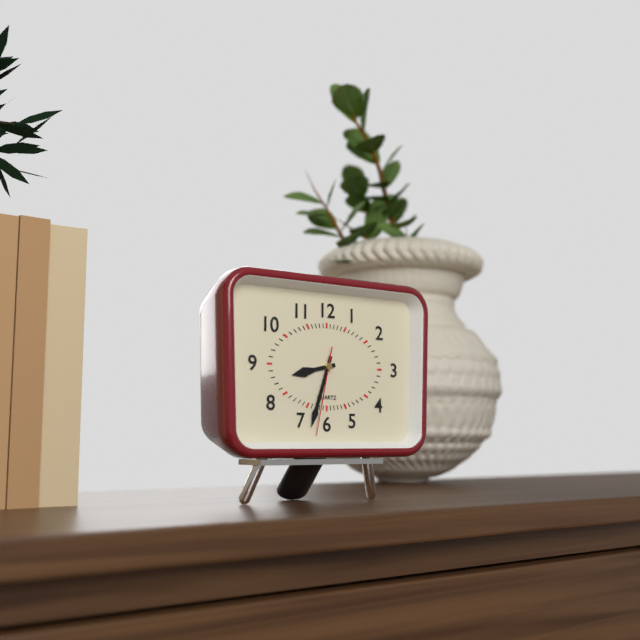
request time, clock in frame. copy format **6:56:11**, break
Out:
**8:33:32**
